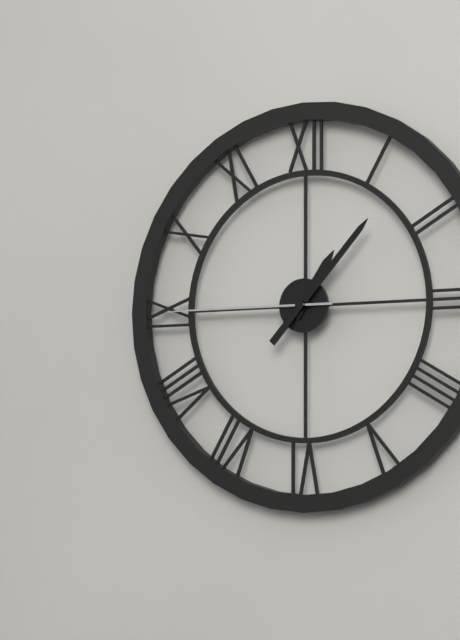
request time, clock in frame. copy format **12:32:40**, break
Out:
**1:07:45**
